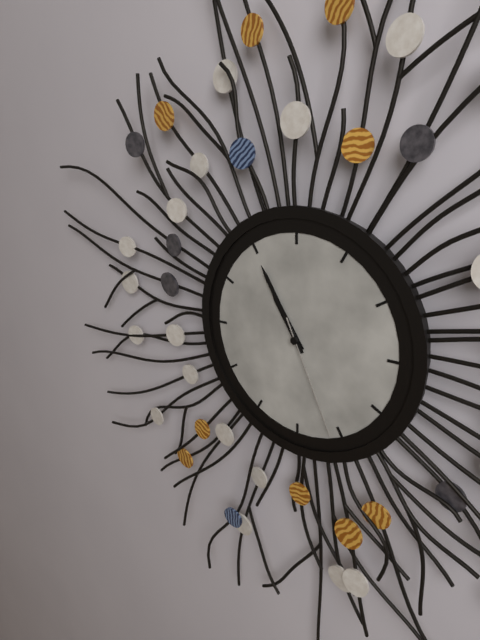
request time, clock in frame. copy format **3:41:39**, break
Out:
**10:55:26**
